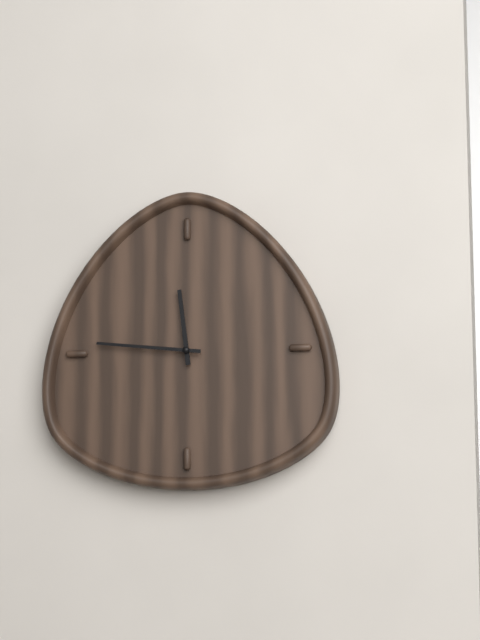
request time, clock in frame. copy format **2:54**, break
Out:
**11:46**
